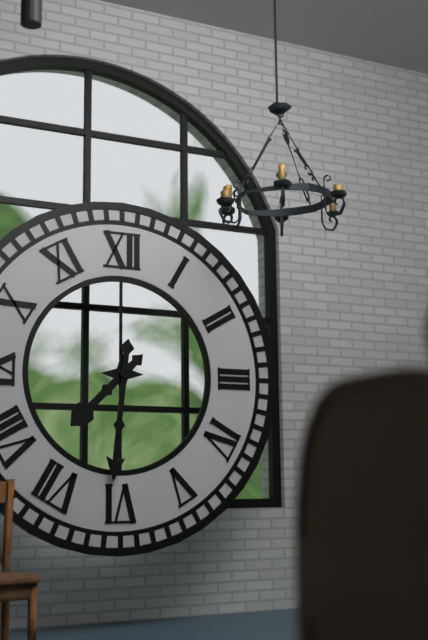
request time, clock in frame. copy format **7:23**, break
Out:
**7:31**
